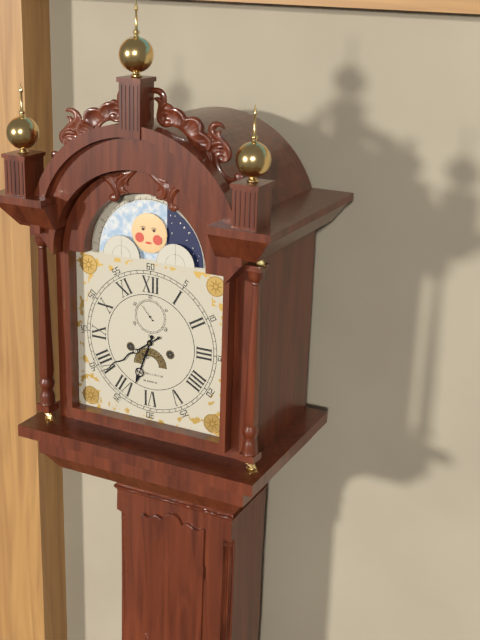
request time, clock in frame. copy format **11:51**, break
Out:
**6:39**
